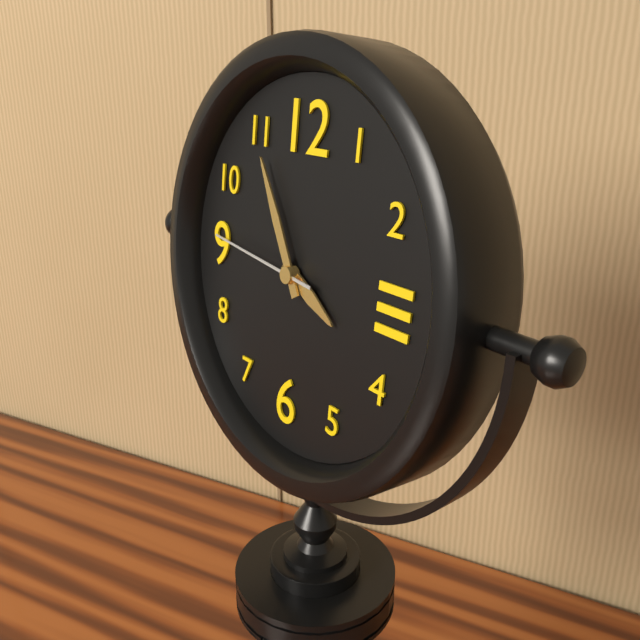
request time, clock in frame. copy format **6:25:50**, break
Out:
**3:55:46**
